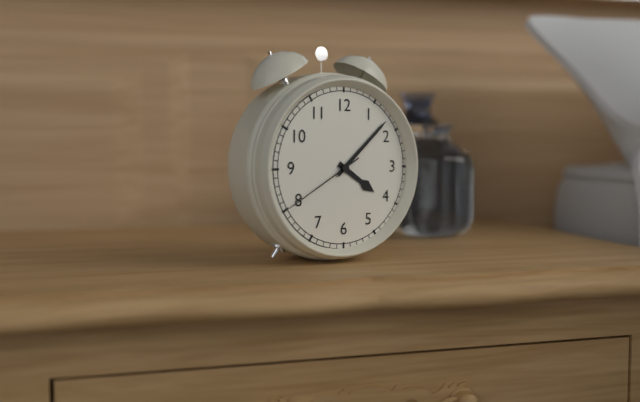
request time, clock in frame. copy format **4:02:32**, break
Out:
**4:08:40**
